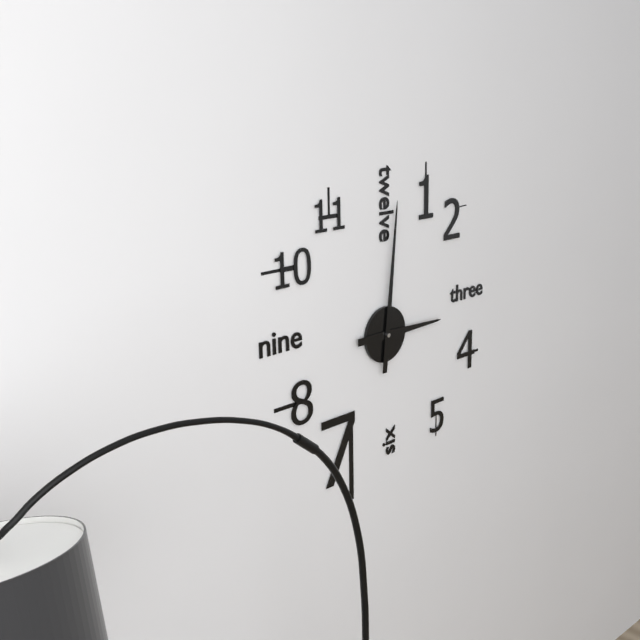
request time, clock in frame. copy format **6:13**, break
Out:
**3:01**
